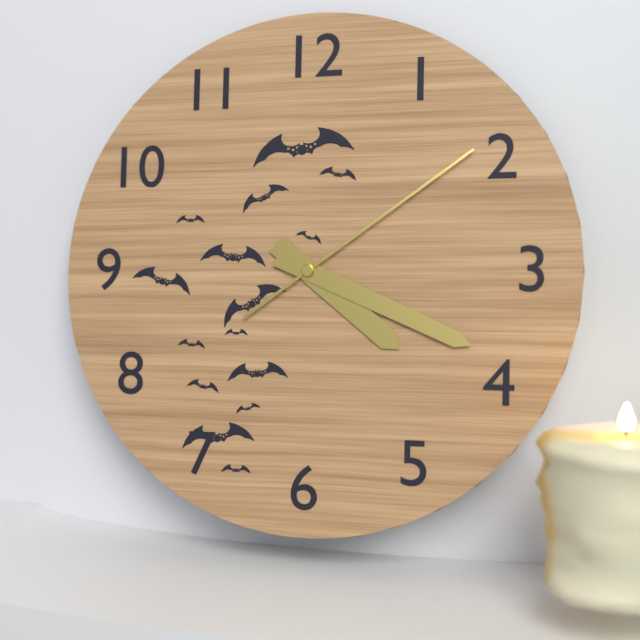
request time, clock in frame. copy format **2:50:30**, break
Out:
**4:19:09**
